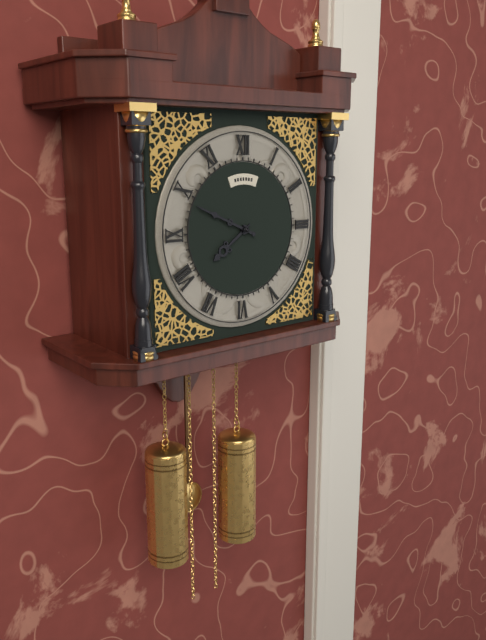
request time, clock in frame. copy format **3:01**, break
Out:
**7:49**
